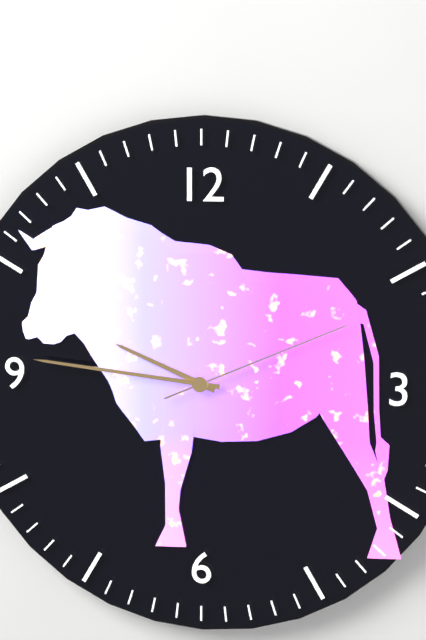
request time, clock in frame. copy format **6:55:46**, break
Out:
**9:46:11**
